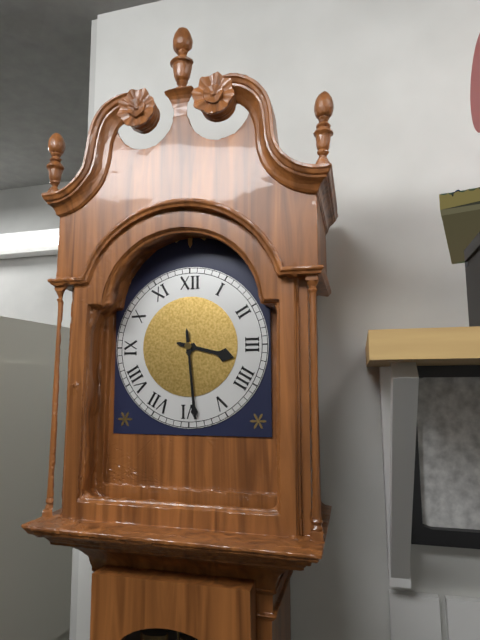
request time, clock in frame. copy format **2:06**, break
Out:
**3:29**
